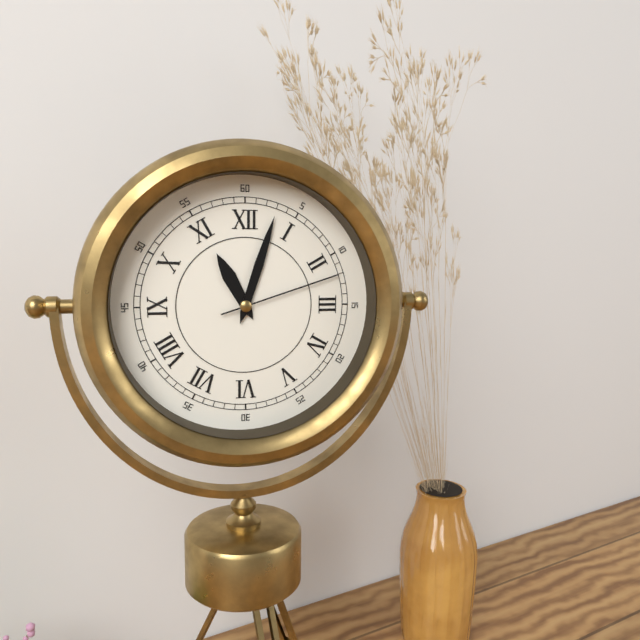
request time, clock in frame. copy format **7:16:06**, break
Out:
**11:03:12**
